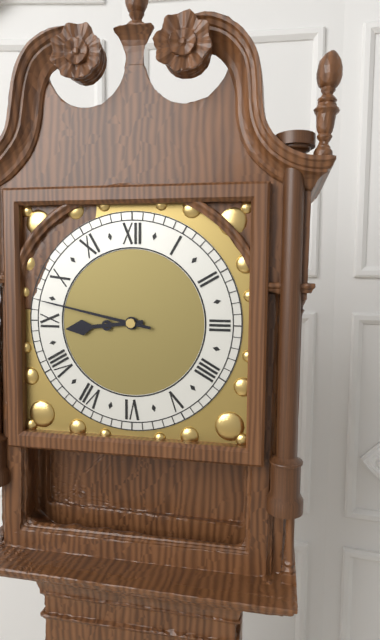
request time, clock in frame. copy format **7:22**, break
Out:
**8:47**
